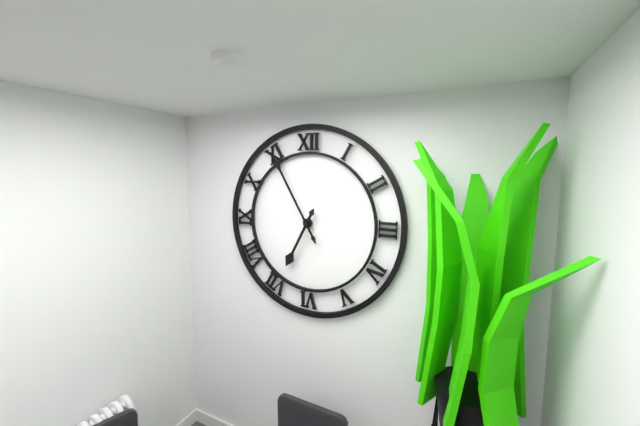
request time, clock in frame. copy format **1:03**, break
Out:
**6:55**
